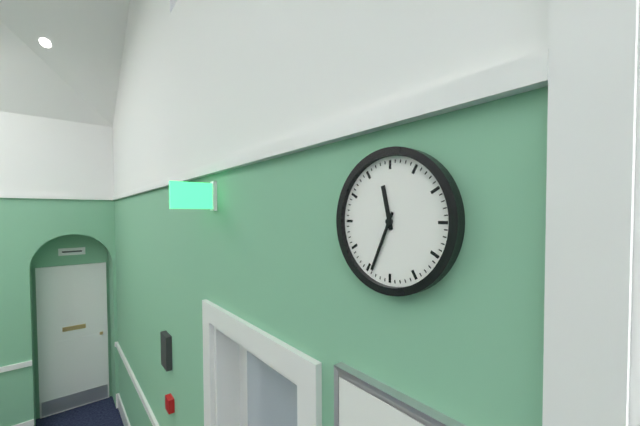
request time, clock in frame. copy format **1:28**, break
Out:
**11:34**
